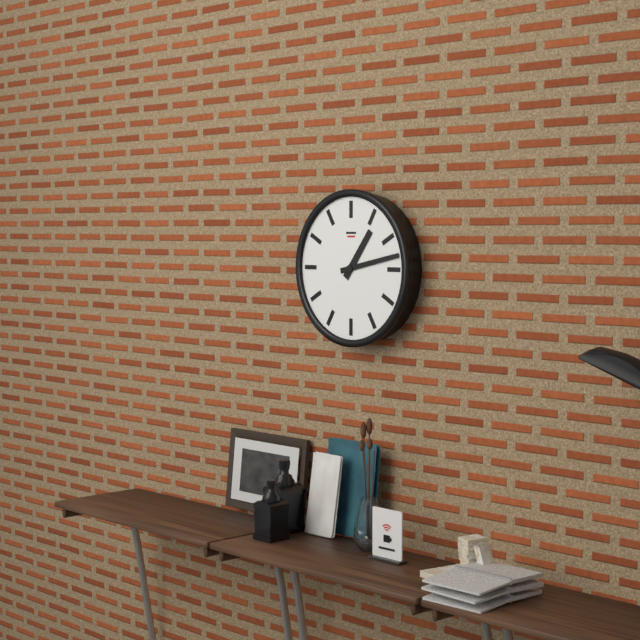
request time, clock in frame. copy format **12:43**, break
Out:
**1:13**
